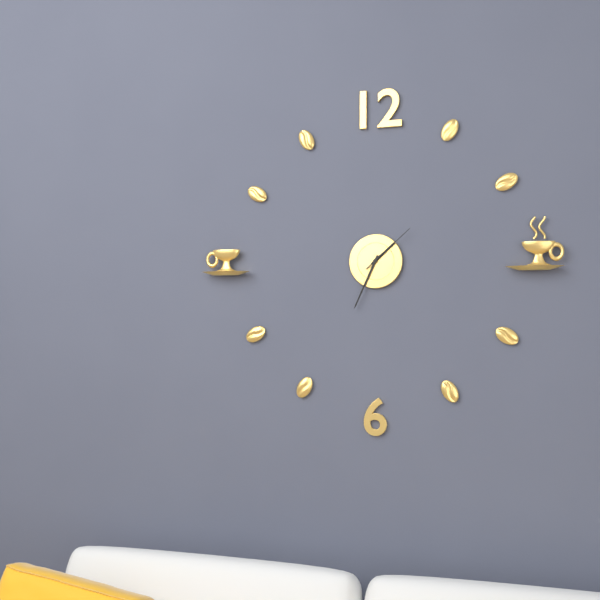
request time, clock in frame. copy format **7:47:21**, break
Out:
**1:34:08**
